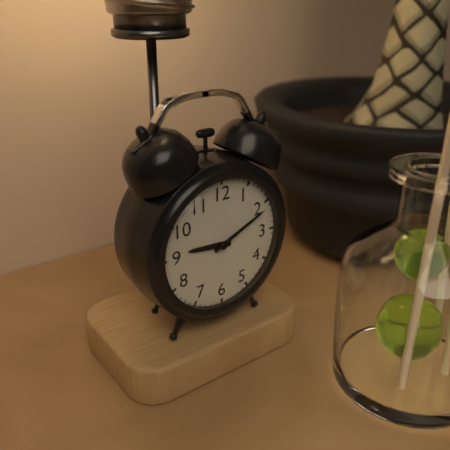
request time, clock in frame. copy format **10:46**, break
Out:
**9:11**
